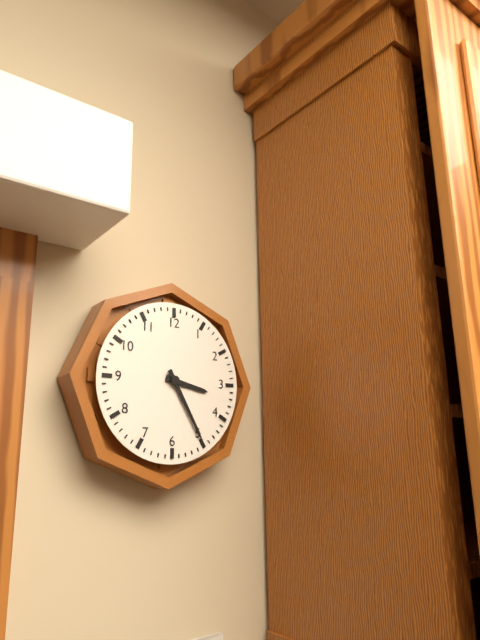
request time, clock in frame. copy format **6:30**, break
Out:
**3:25**
